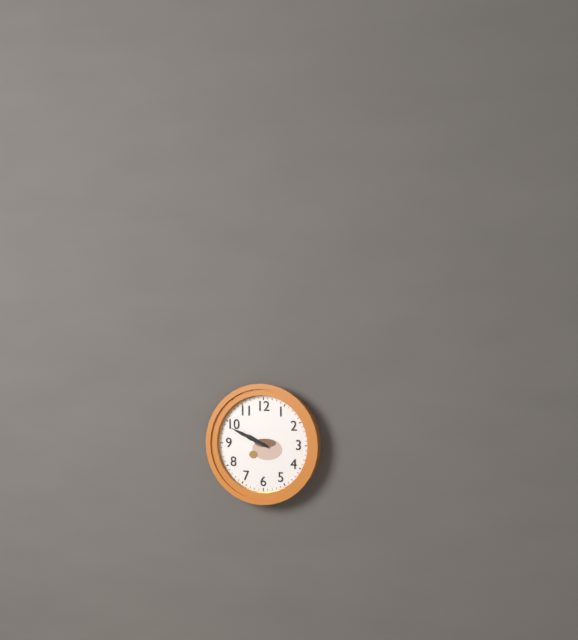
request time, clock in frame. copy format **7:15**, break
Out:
**9:49**
